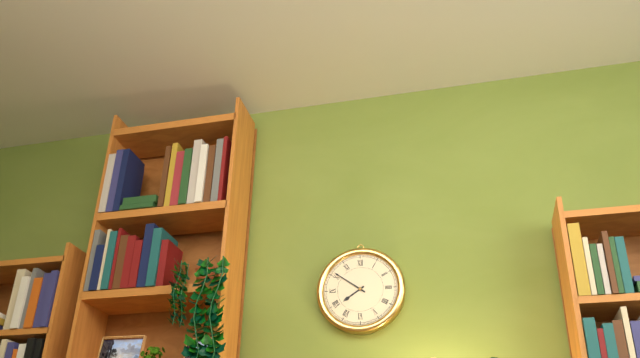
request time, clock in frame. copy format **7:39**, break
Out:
**7:51**
